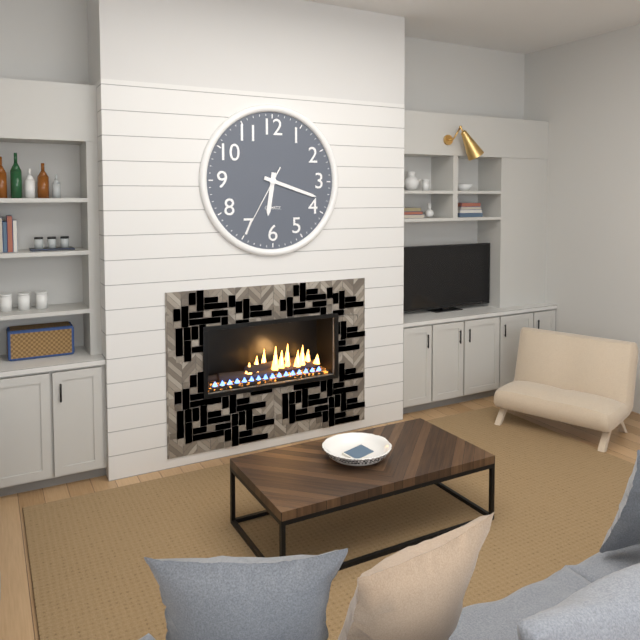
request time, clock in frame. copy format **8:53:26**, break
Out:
**6:18:35**
